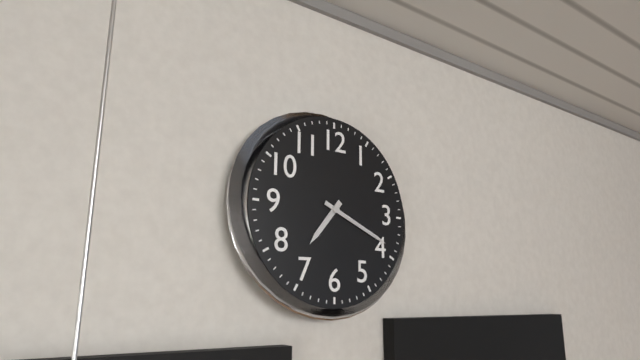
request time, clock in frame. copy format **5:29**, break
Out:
**7:19**
